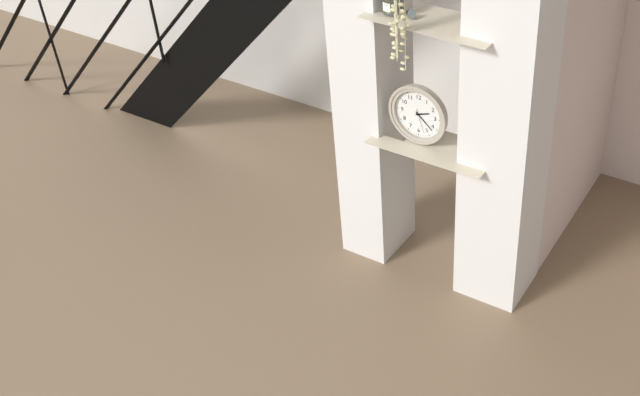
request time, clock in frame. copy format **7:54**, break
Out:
**2:22**
